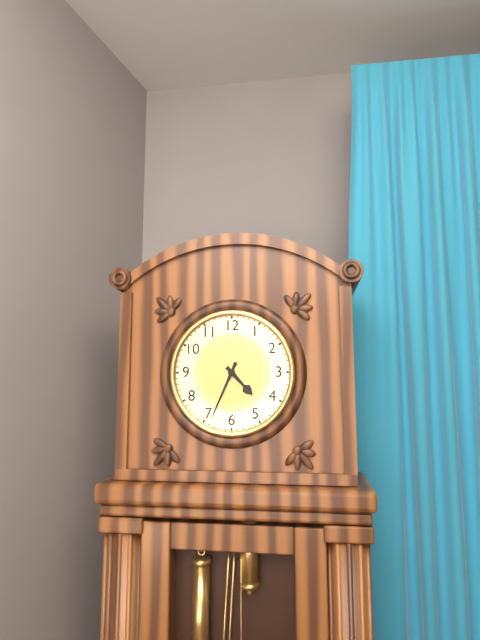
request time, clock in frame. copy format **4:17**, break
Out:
**4:34**
